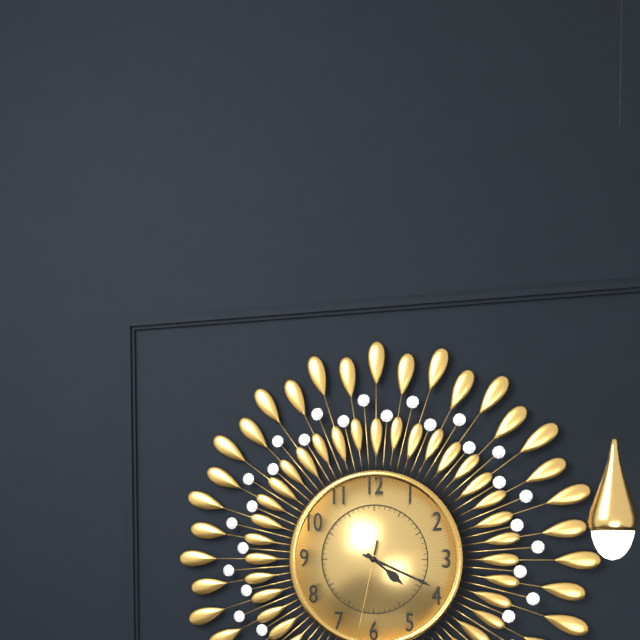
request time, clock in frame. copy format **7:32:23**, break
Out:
**4:19:32**
